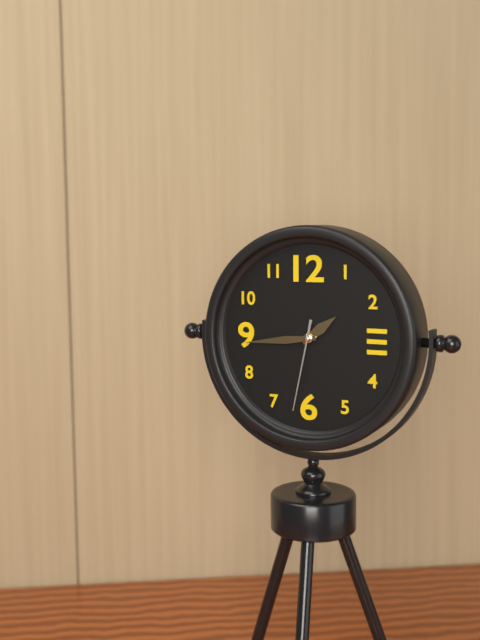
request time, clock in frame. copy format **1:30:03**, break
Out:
**1:44:32**
